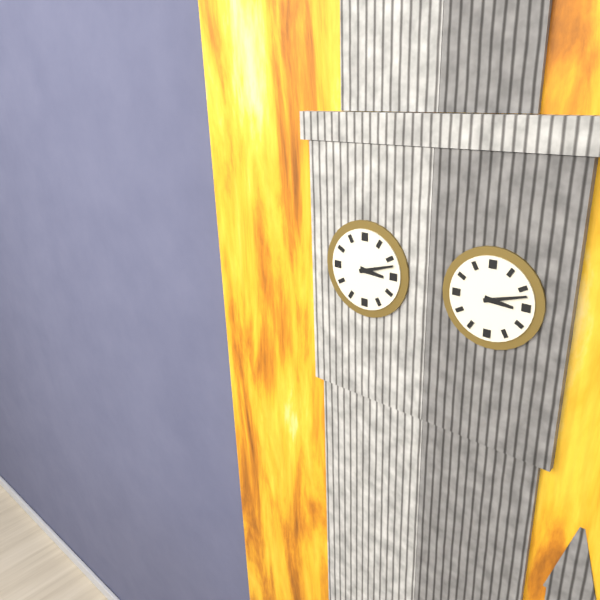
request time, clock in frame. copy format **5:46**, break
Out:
**3:12**
